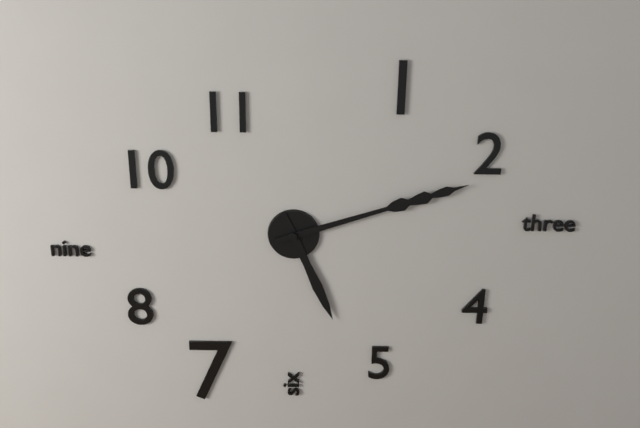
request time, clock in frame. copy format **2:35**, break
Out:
**5:12**
